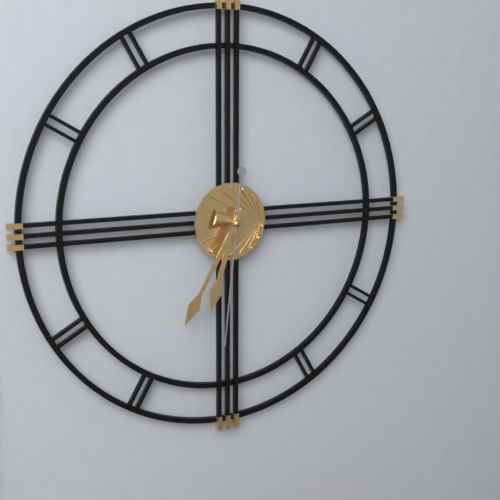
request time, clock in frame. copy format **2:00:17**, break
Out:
**6:35:31**
